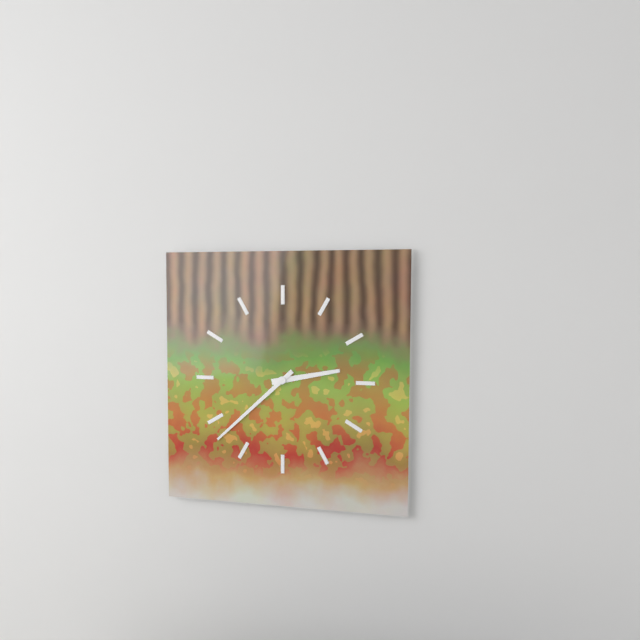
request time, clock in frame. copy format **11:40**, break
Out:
**2:38**
